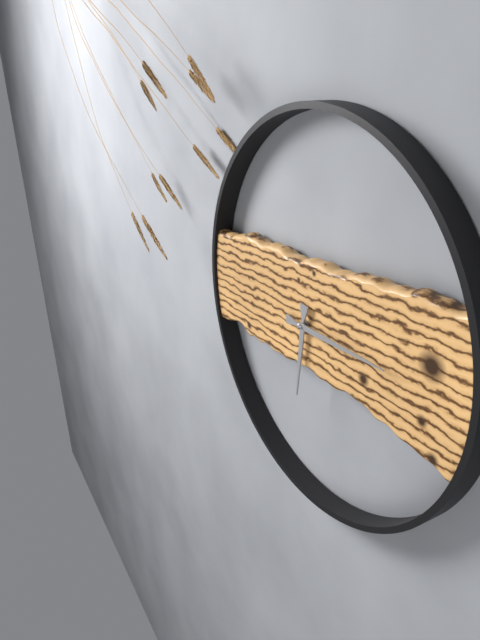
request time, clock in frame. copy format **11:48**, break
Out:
**6:15**
